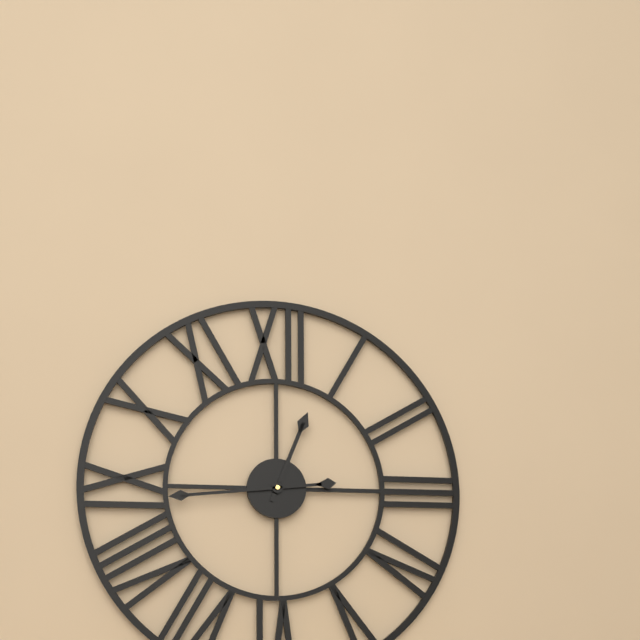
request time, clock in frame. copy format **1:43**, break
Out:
**12:44**
